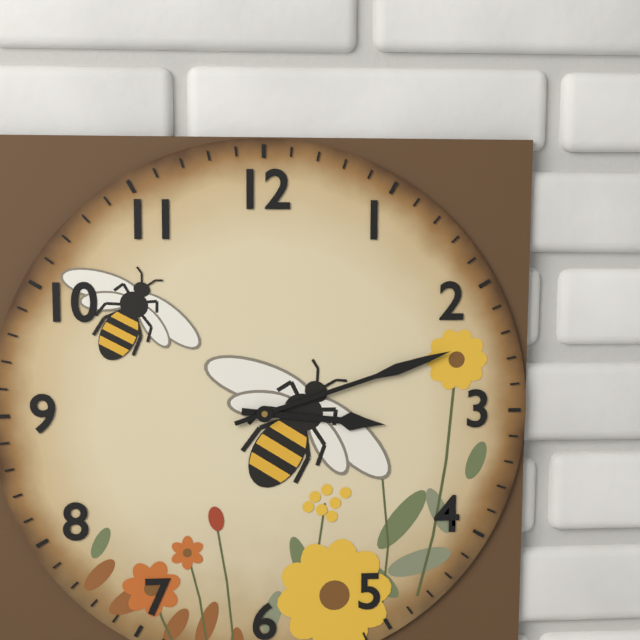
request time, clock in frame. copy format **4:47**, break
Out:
**3:12**
